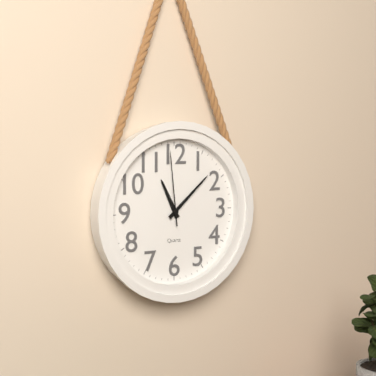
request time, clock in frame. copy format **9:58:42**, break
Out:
**11:08:59**
